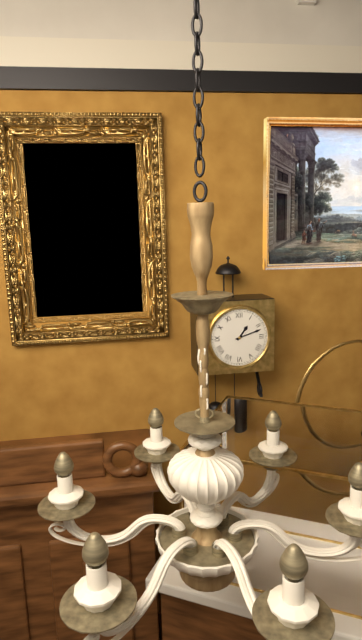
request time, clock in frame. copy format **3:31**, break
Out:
**1:12**
